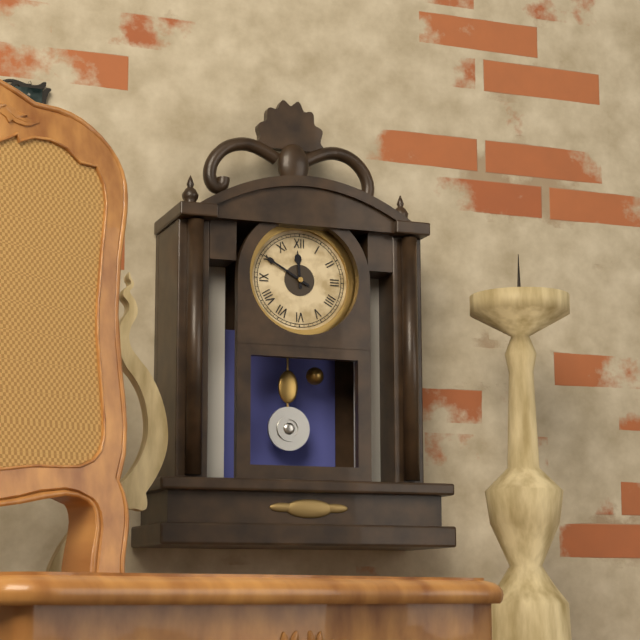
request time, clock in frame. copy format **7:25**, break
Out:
**11:50**
